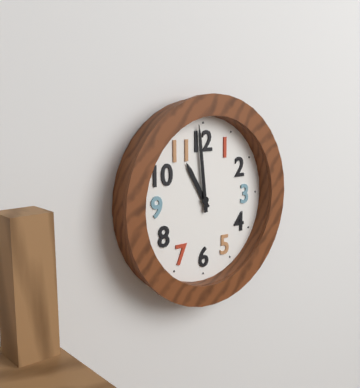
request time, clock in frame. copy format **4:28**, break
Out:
**10:59**
